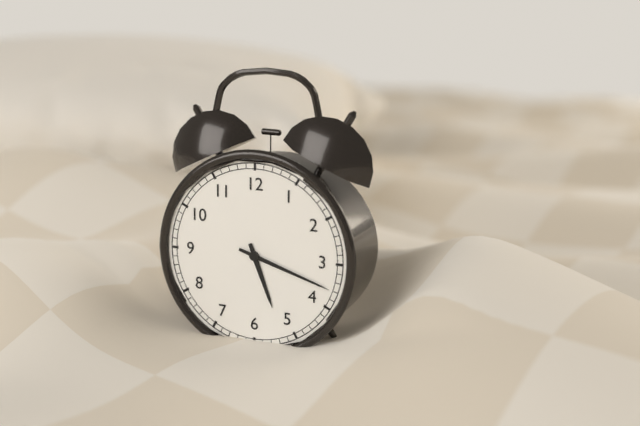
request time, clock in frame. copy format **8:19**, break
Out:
**5:18**
